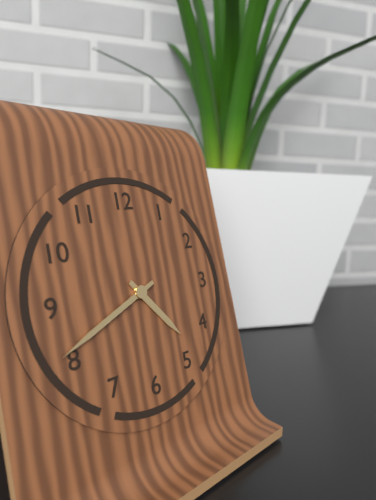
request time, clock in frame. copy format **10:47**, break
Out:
**4:41**
